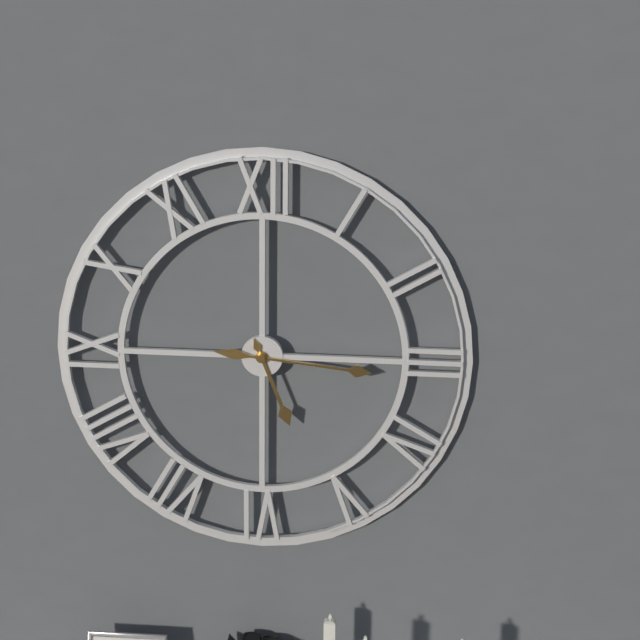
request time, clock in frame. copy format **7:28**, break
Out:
**5:16**
